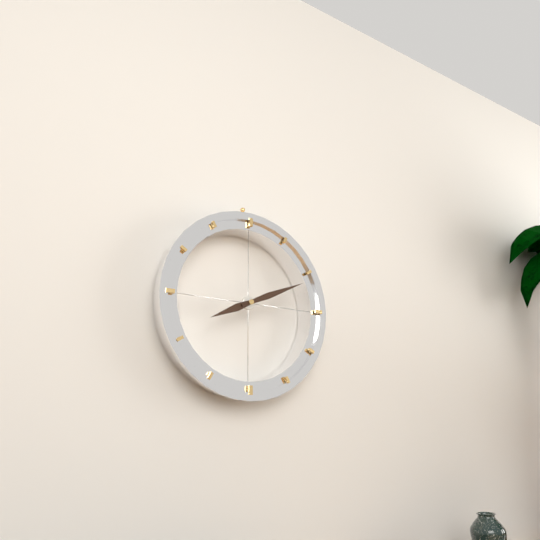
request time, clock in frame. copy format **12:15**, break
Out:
**8:11**
